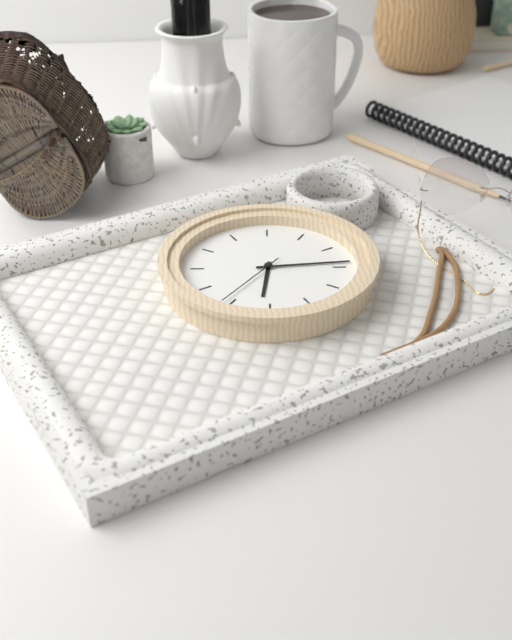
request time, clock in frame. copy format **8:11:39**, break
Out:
**6:14:36**
